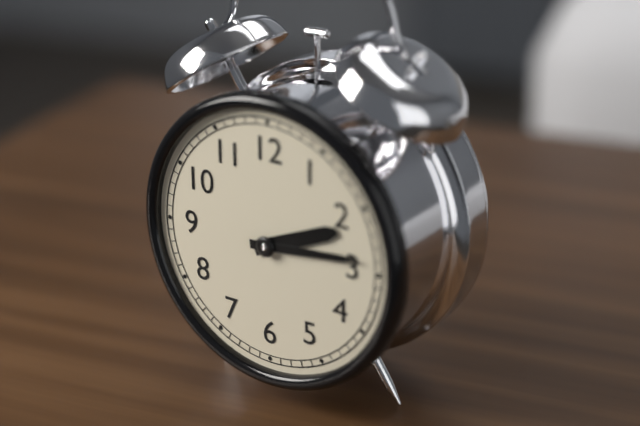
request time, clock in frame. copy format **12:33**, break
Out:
**2:14**
